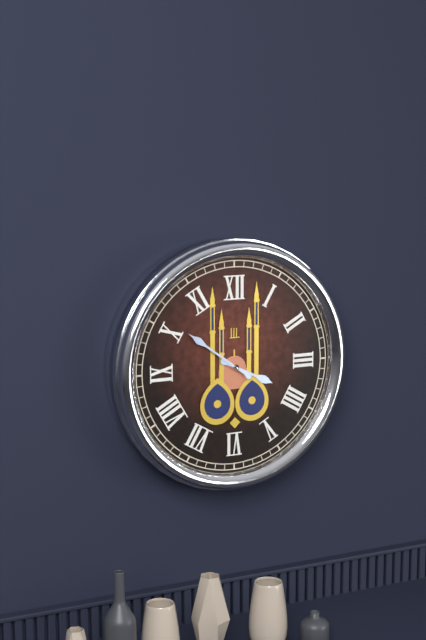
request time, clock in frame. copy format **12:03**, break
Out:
**3:51**
